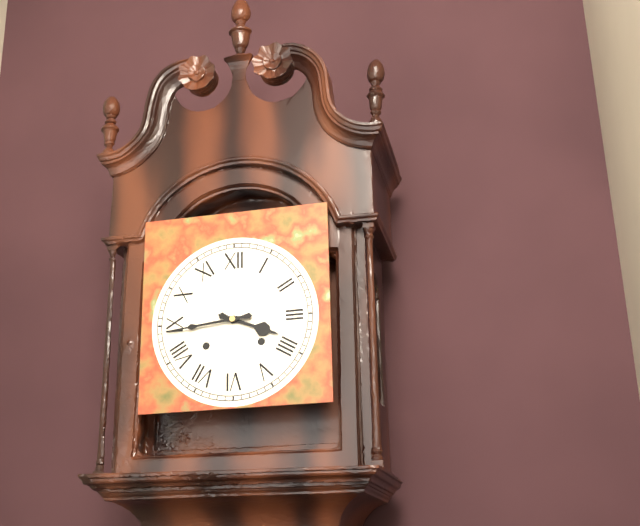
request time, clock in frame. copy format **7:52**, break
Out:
**3:44**
